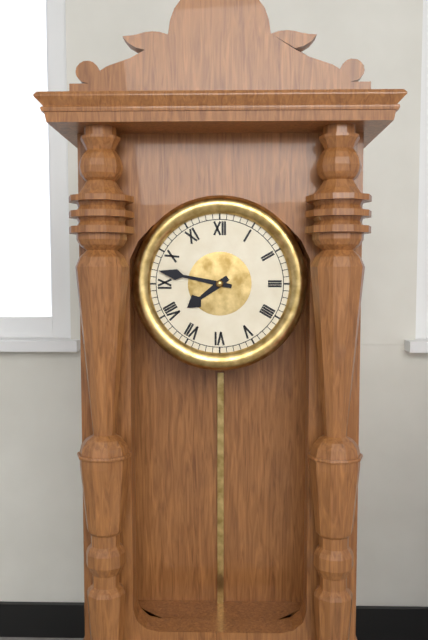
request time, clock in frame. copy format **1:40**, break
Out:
**7:47**
